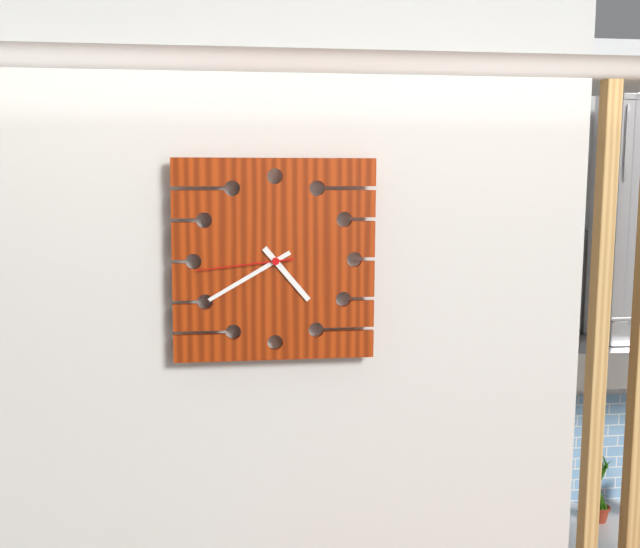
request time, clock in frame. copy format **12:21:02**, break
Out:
**4:40:44**
